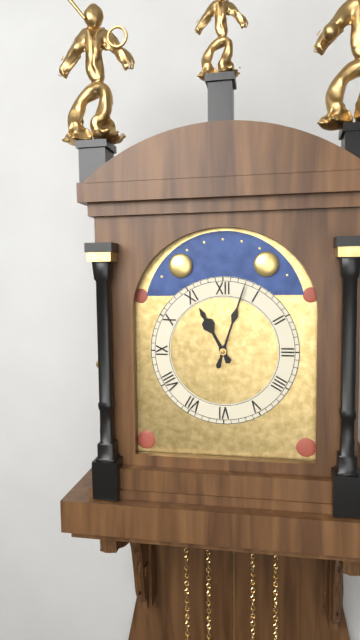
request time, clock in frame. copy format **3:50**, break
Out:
**11:03**
